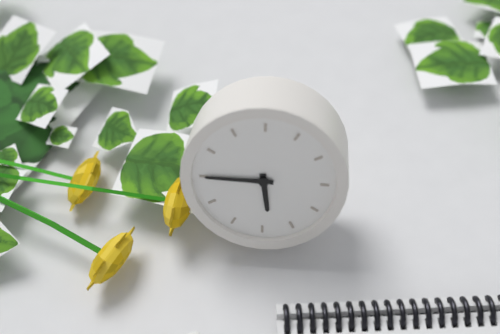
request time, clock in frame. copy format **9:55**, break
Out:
**5:45**
